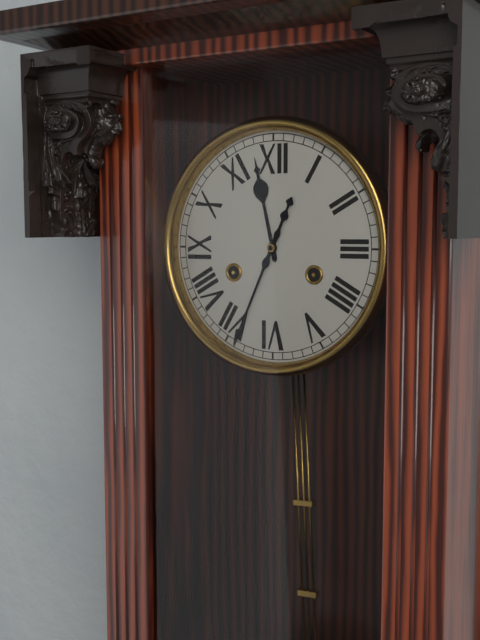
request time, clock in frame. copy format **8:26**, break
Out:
**11:34**
